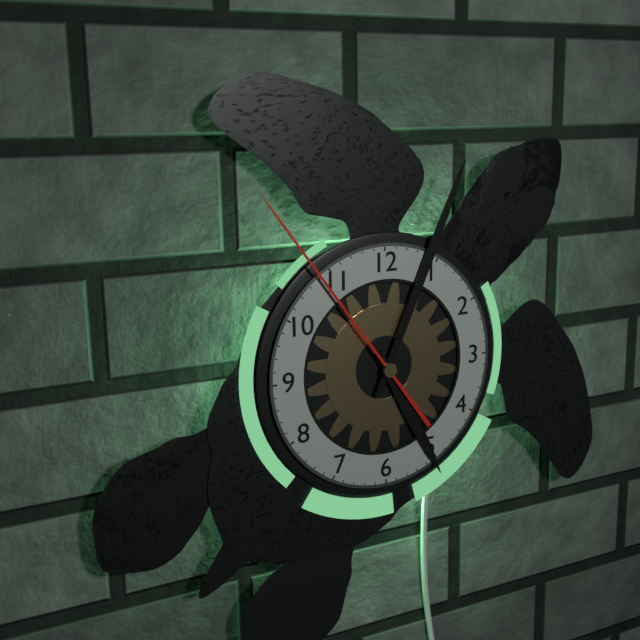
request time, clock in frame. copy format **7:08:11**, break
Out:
**5:04:54**
